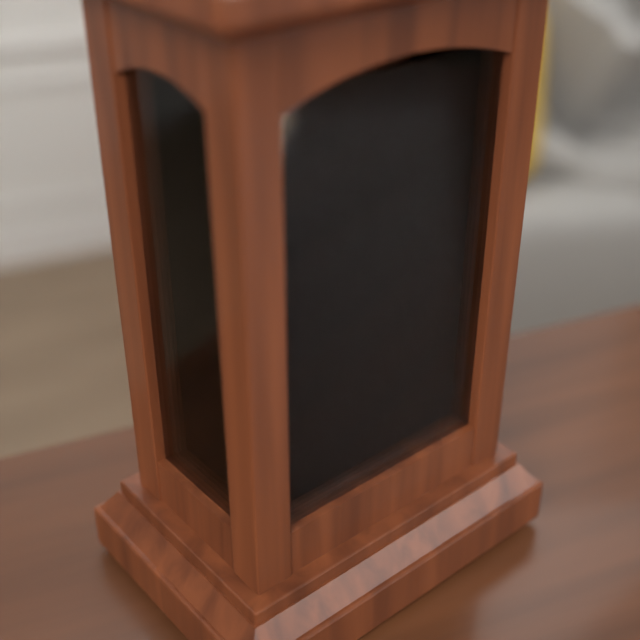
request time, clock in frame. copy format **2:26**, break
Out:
**1:09**
